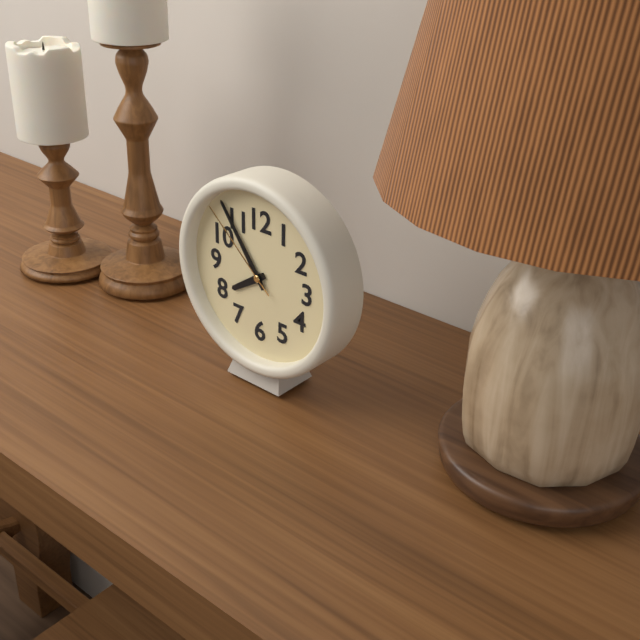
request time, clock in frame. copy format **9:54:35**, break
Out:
**7:54:52**
